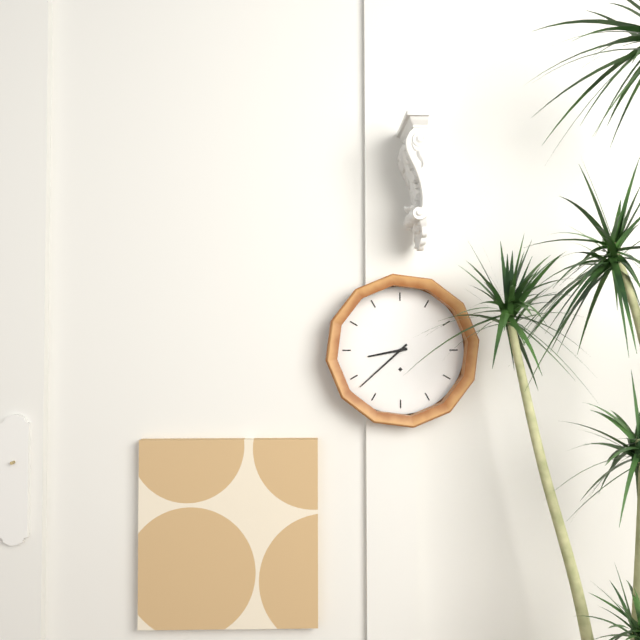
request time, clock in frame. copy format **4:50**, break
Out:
**8:38**
